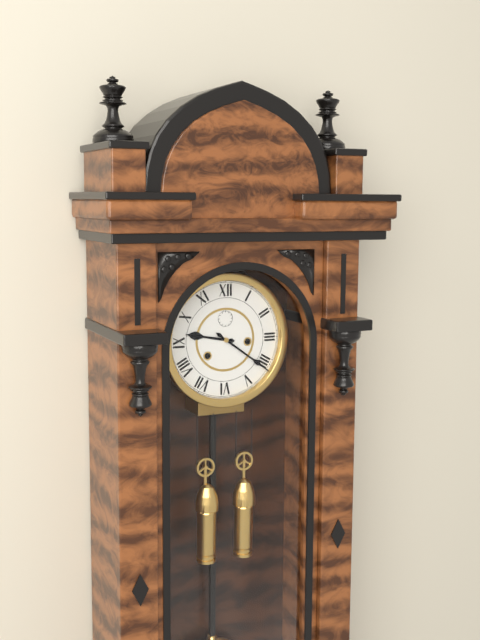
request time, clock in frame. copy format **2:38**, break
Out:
**9:21**
